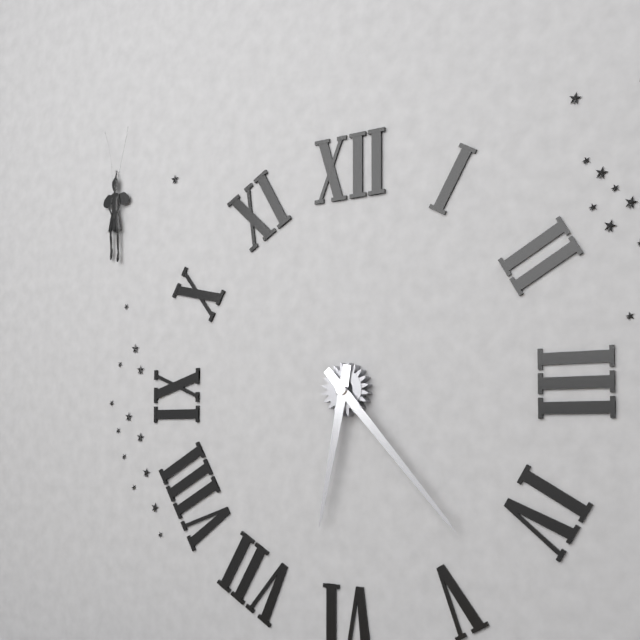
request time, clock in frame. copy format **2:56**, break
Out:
**6:23**
